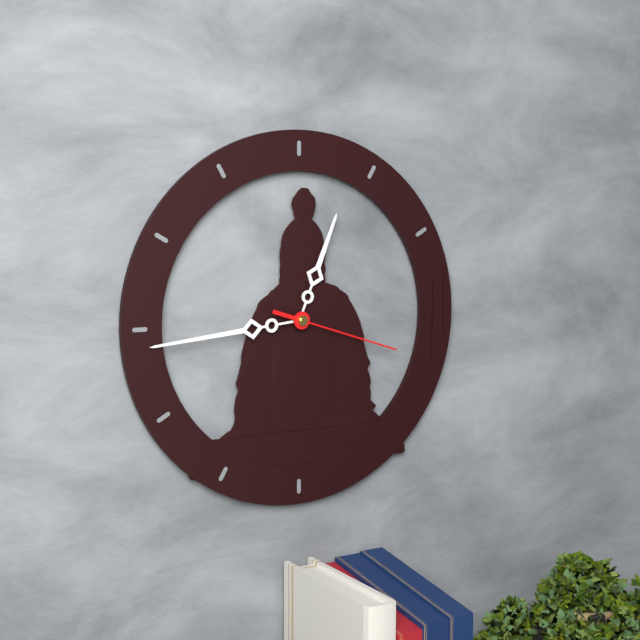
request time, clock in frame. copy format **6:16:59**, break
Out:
**12:44:18**
